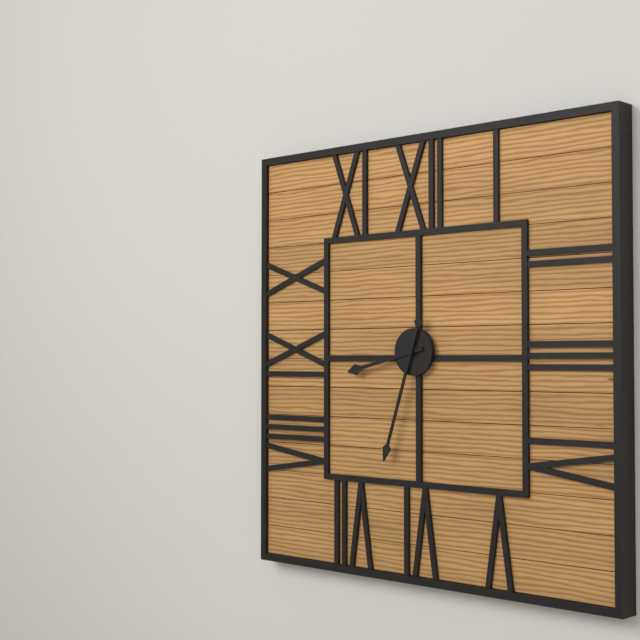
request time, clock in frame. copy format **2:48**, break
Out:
**8:33**
